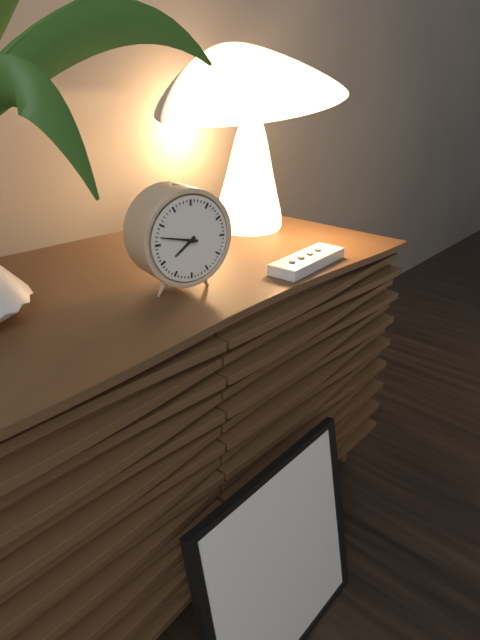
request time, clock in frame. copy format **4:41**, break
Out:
**7:47**
